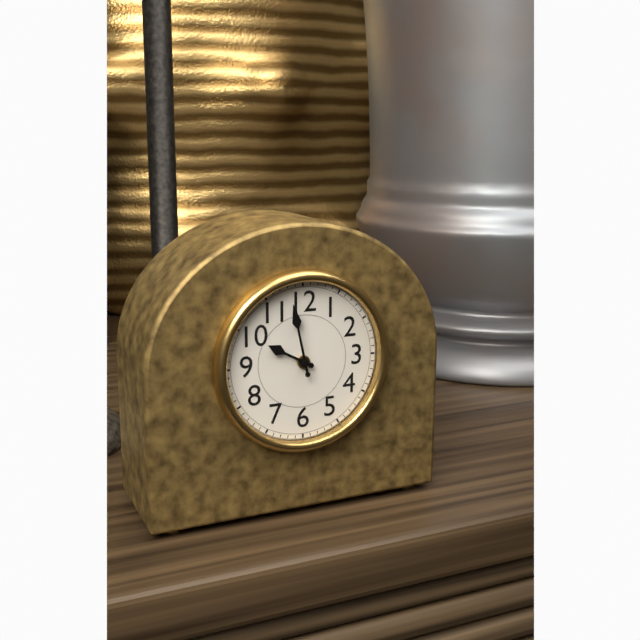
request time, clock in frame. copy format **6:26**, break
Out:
**9:58**
